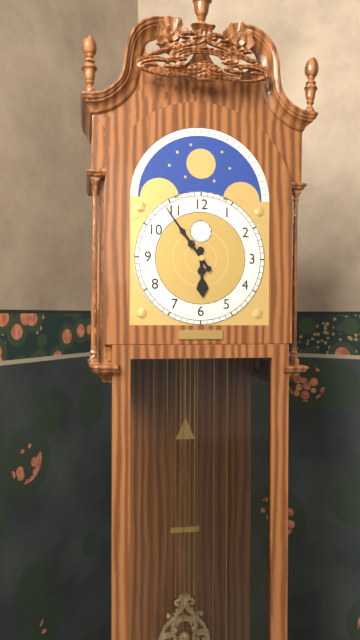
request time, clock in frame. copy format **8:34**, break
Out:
**5:54**
